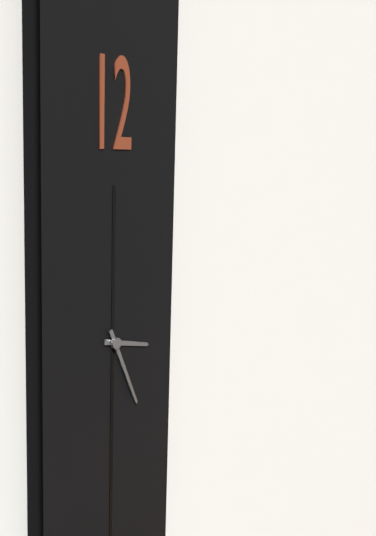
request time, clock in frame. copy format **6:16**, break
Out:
**3:26**
